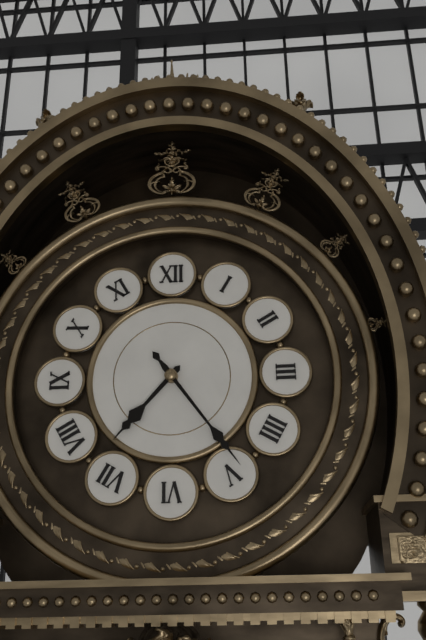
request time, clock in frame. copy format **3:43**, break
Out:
**7:24**
